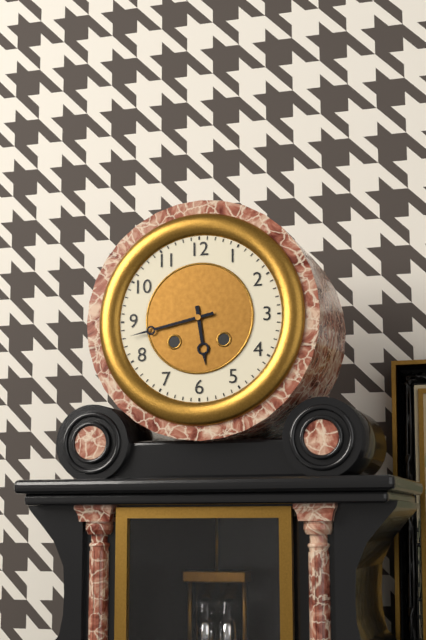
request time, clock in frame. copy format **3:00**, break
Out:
**5:43**
